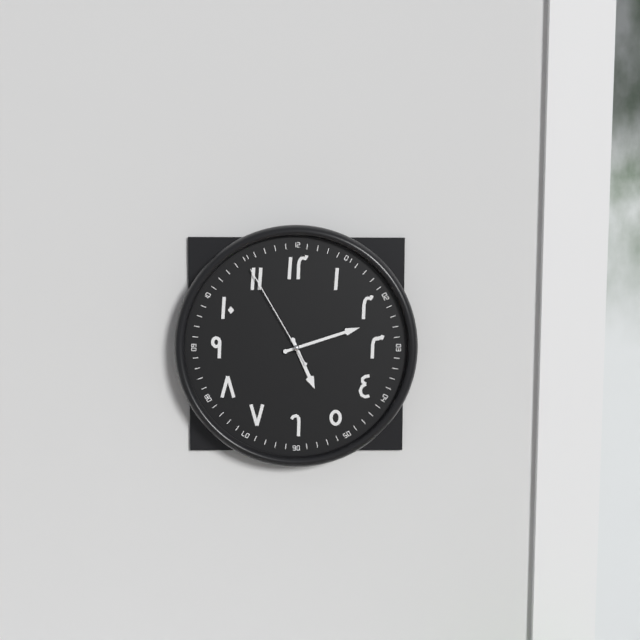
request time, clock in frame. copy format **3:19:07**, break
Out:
**5:12:55**
